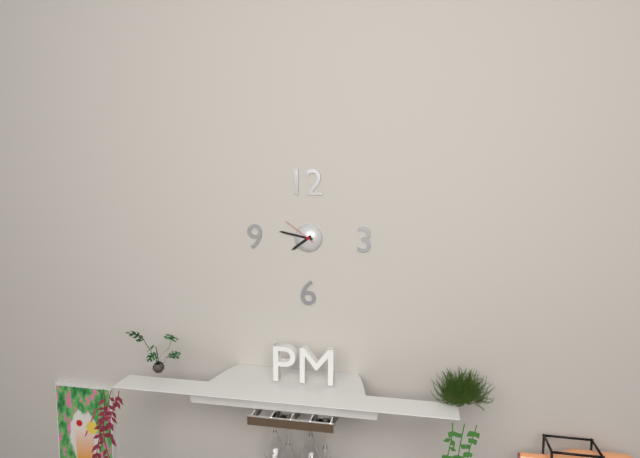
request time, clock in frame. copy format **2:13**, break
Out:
**7:47**
